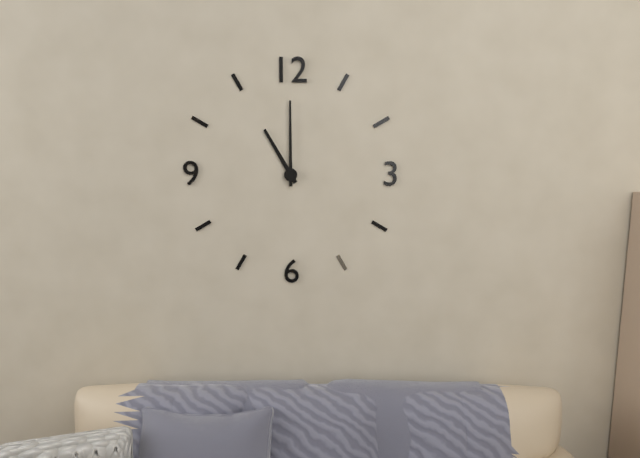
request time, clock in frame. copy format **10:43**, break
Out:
**11:00**
